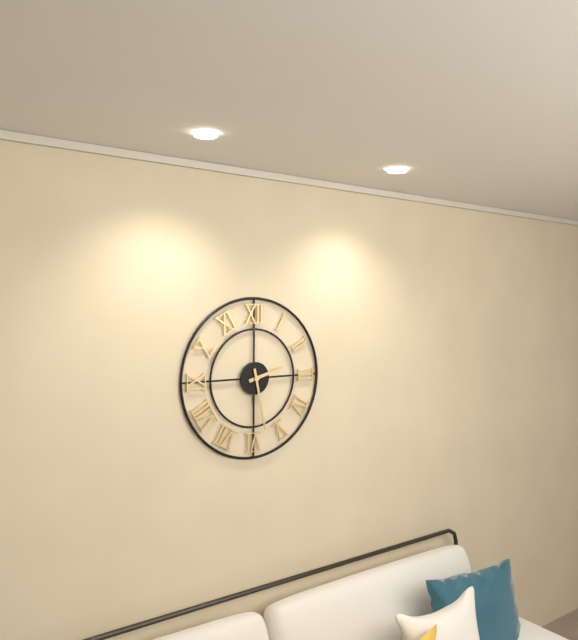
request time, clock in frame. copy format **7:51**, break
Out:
**2:28**
